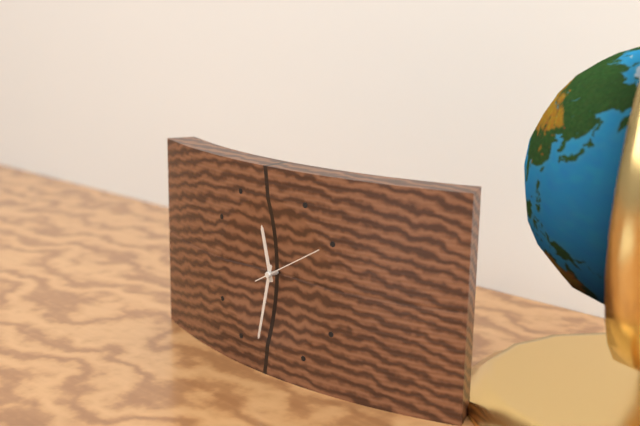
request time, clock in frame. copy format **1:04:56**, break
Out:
**11:32:10**
